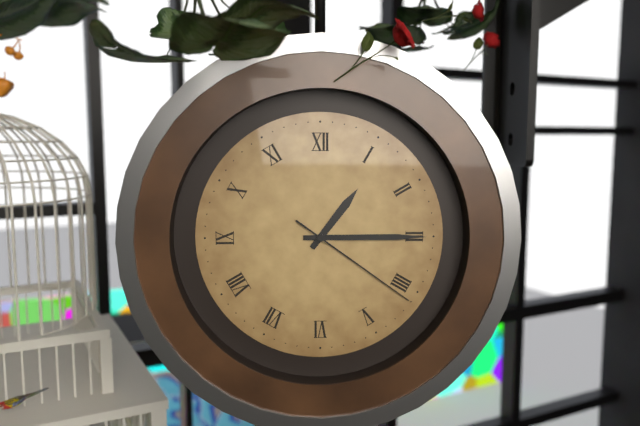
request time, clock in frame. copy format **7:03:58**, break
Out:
**1:15:21**
